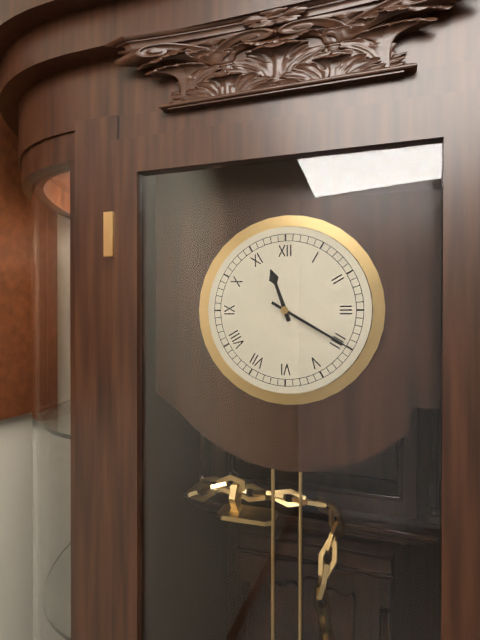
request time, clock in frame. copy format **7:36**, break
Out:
**11:20**
